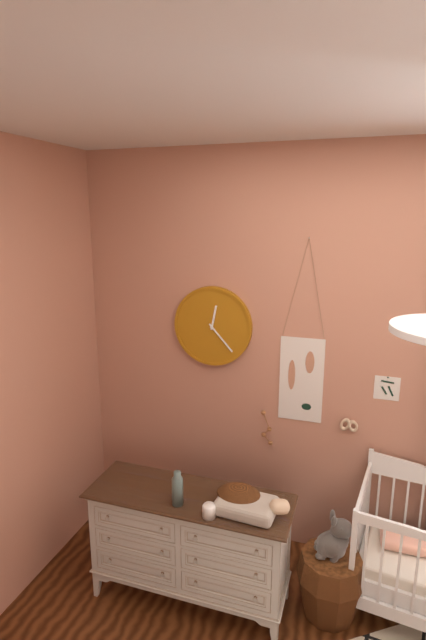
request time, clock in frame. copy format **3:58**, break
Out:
**12:23**
